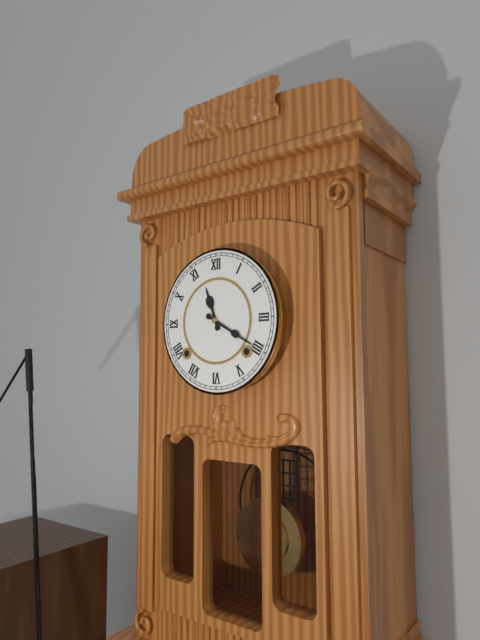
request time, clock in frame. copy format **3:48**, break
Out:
**11:20**
